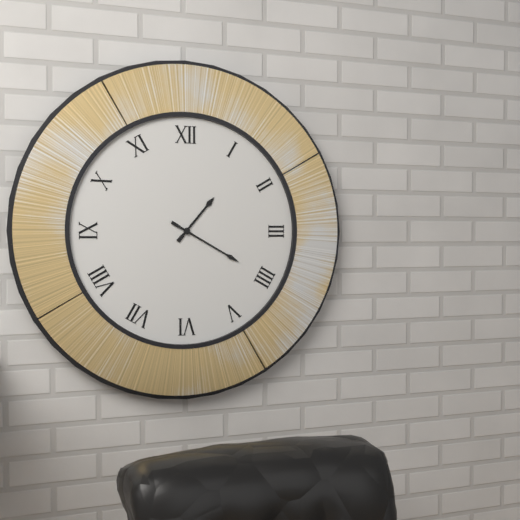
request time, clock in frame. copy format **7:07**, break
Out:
**1:20**
